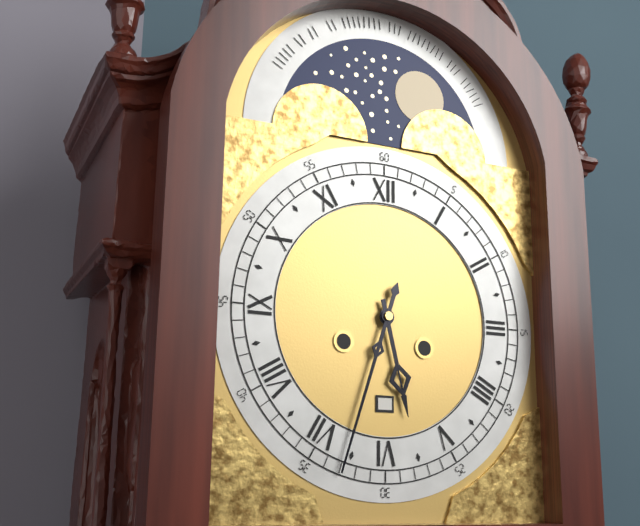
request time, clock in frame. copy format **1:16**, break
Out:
**5:33**
